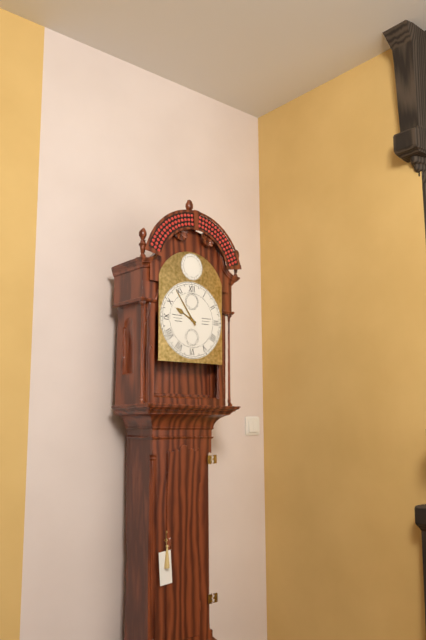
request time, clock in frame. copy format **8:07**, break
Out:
**9:54**
